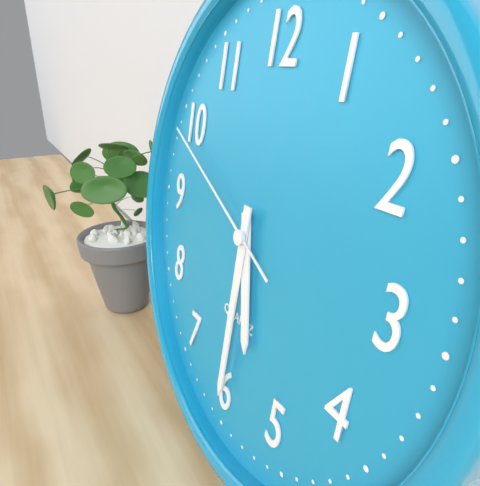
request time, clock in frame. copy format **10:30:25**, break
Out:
**5:30:49**
